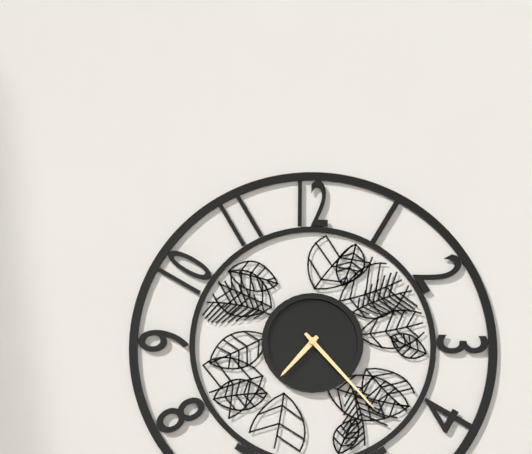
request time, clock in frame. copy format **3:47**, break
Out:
**7:23**
